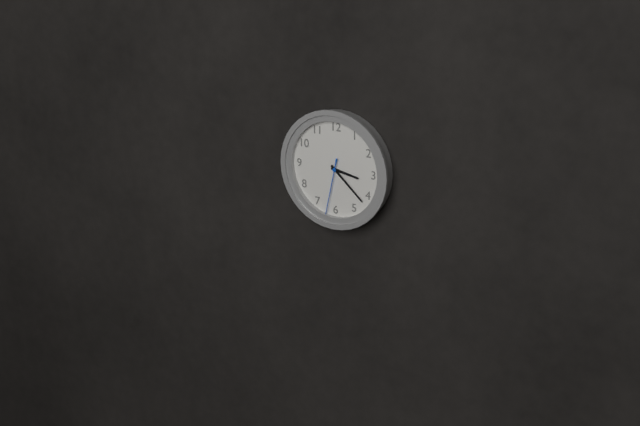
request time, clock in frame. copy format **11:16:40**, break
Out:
**3:22:32**
